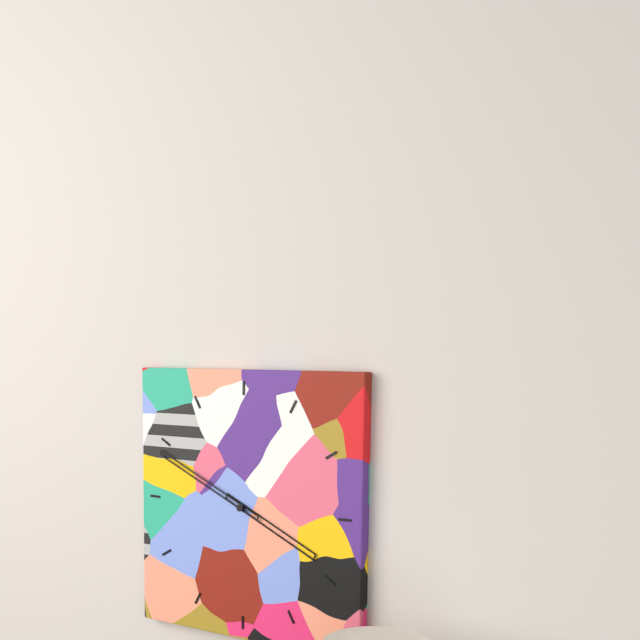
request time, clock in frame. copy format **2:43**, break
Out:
**3:49**
